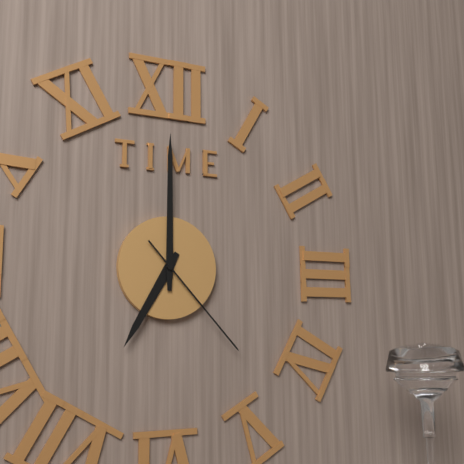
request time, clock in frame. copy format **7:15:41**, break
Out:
**7:00:23**
